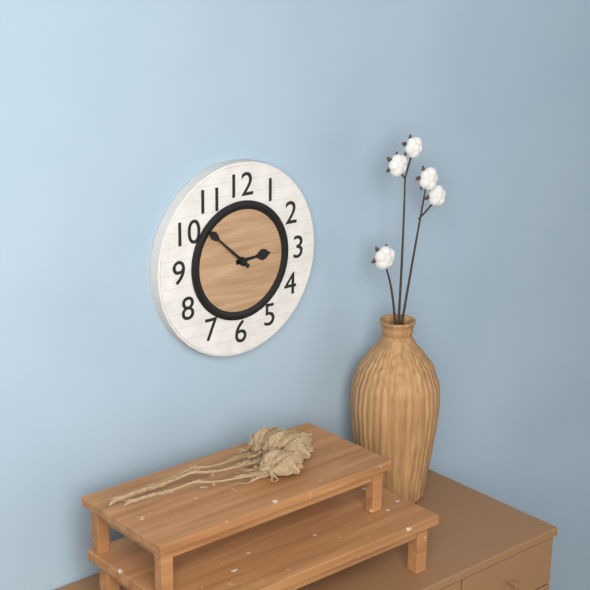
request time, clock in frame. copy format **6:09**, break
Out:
**2:52**
